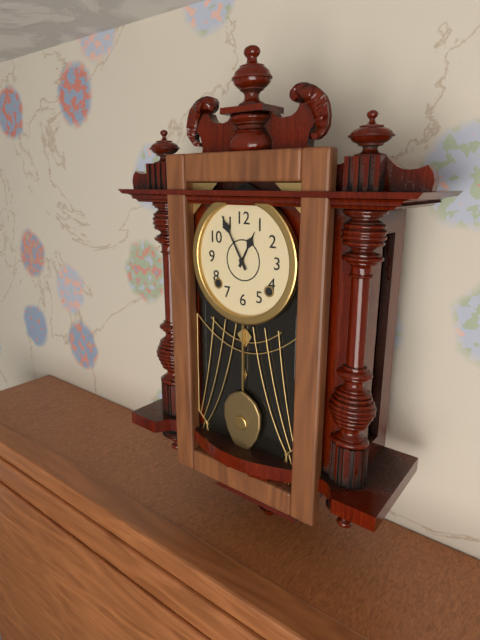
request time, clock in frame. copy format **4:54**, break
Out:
**12:55**
